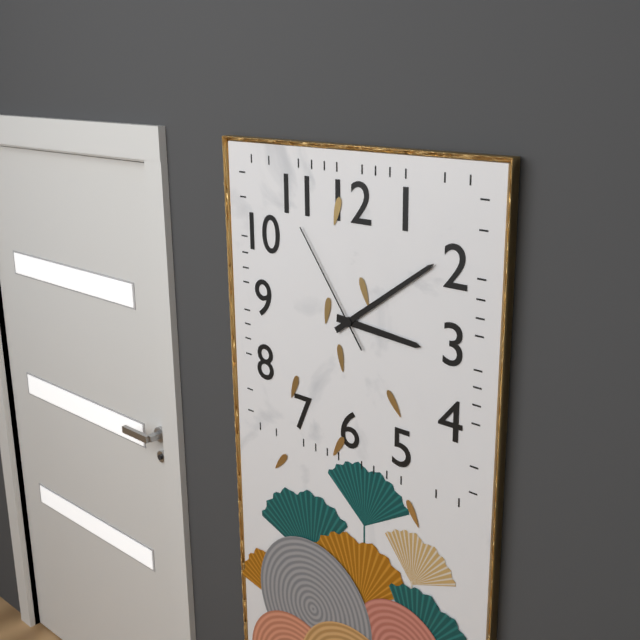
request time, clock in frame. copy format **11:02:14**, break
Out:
**3:09:54**
